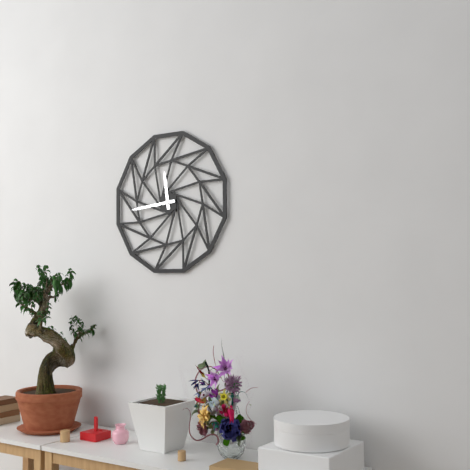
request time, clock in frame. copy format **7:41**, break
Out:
**11:44**
